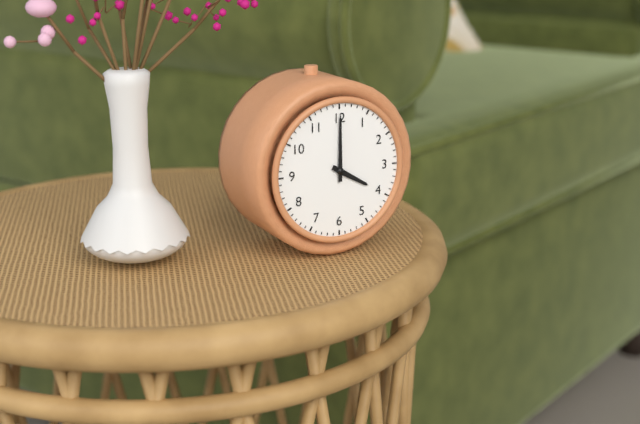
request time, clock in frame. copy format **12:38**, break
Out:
**4:00**
